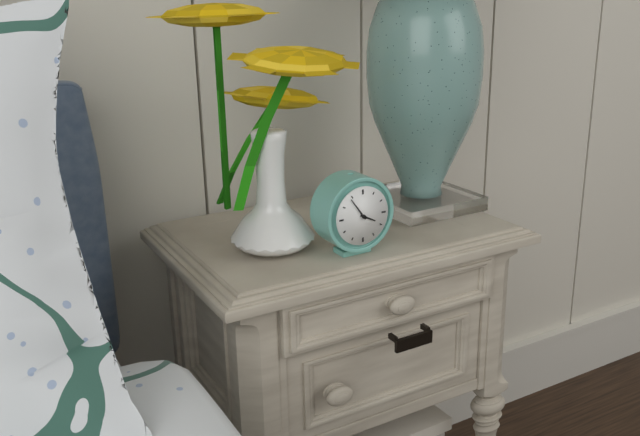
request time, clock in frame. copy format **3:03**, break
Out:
**3:54**
